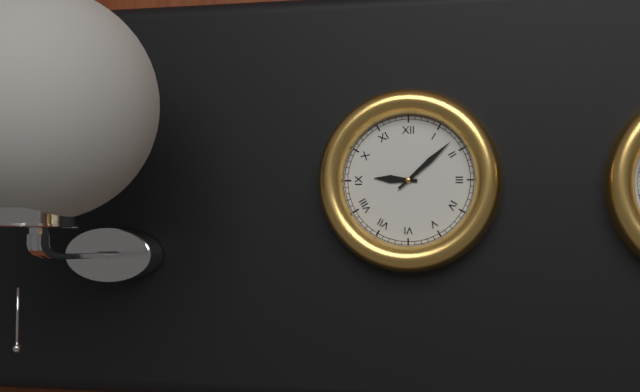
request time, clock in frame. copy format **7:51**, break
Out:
**9:08**
